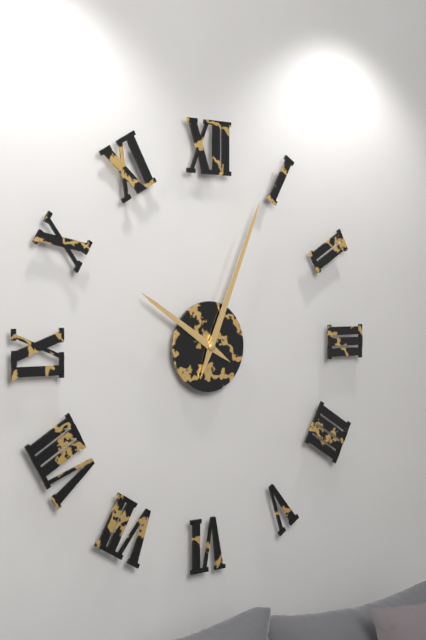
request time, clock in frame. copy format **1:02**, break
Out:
**10:04**
